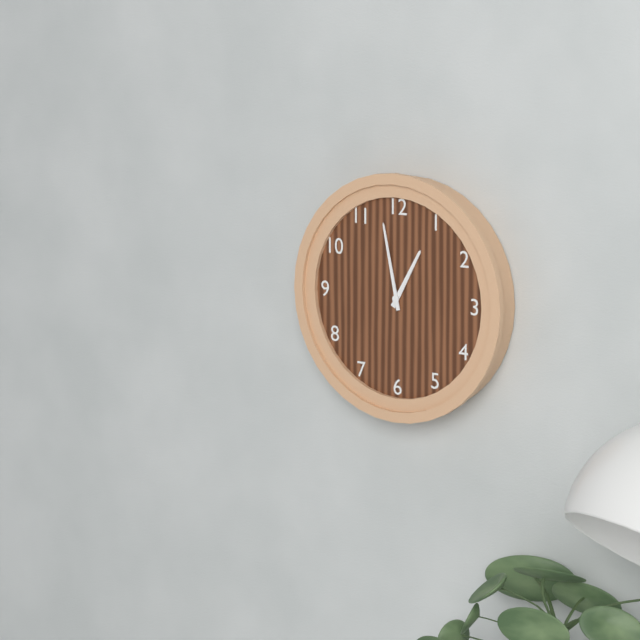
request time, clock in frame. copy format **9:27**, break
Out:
**12:58**
